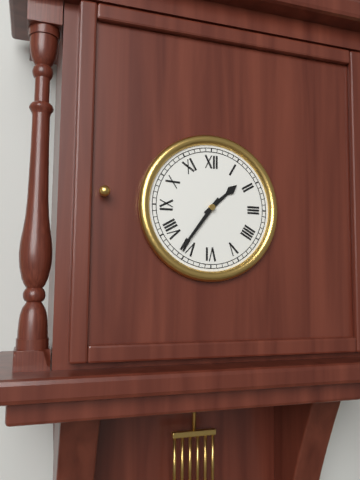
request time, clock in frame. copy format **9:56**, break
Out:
**1:36**
